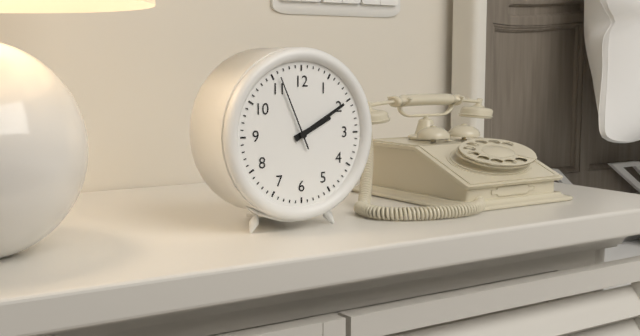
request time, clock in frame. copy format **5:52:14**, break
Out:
**2:10:56**
